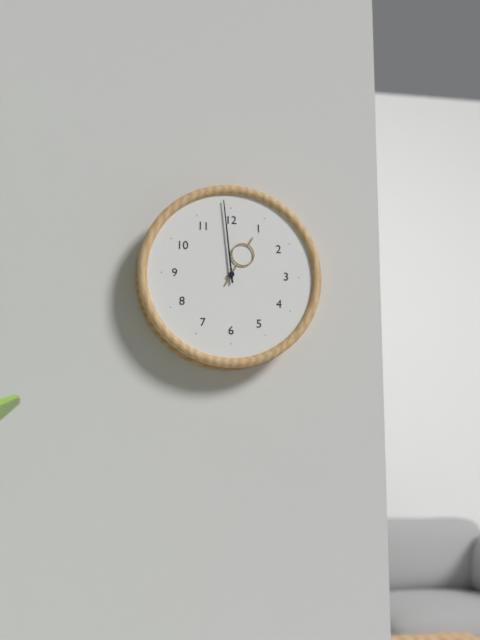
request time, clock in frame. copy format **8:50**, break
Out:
**12:59**
